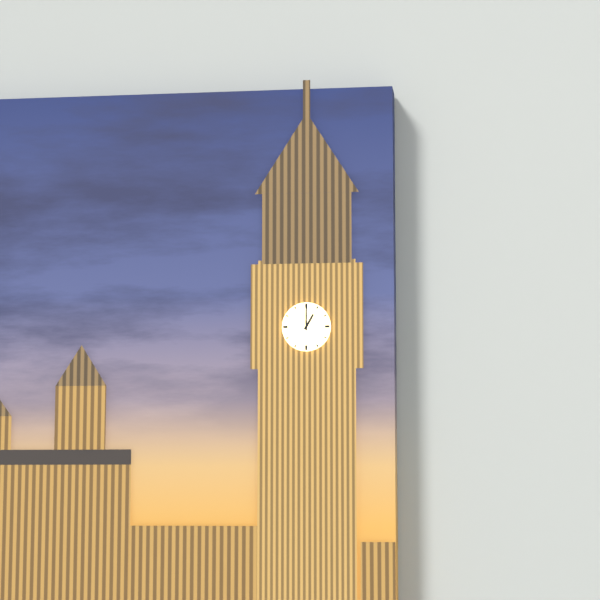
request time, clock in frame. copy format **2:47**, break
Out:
**1:00**
